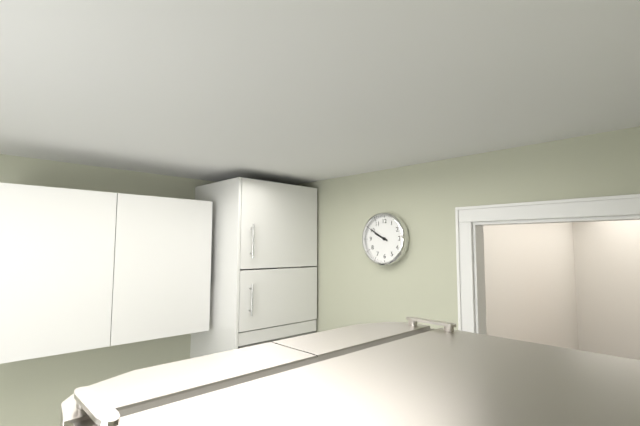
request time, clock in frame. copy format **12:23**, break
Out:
**9:50**
